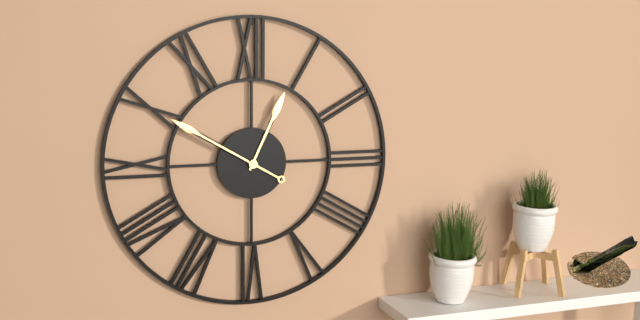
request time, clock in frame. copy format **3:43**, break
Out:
**12:50**
